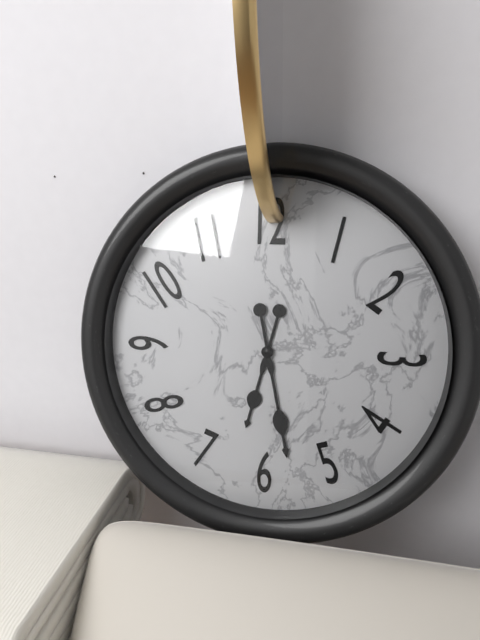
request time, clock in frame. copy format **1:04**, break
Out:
**6:28**
